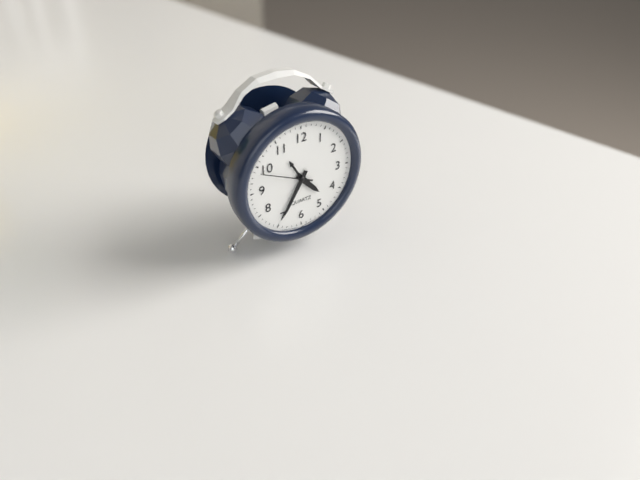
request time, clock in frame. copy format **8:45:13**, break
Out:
**4:35:49**
